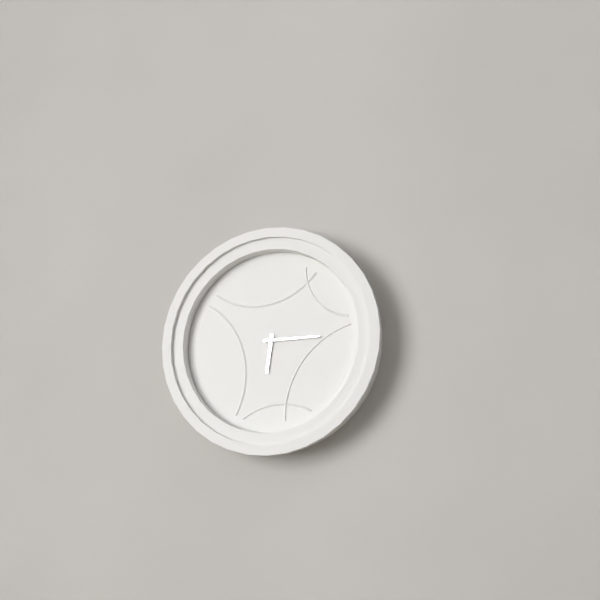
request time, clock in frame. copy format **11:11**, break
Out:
**6:15**
